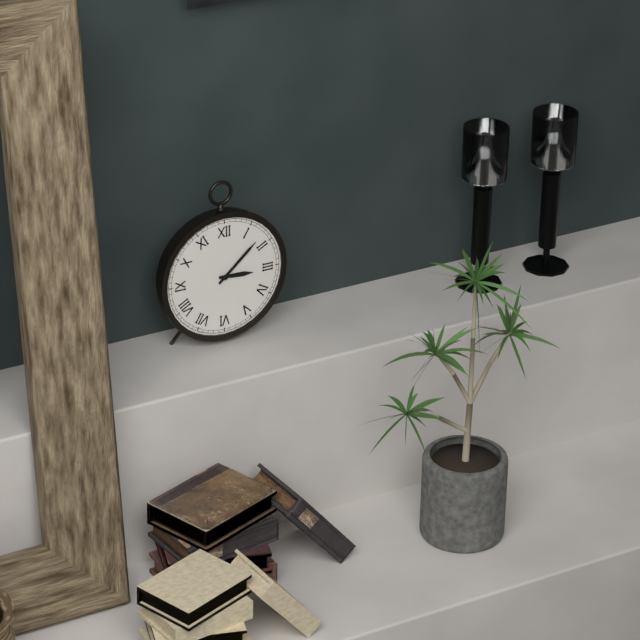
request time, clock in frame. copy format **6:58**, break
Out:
**3:08**
